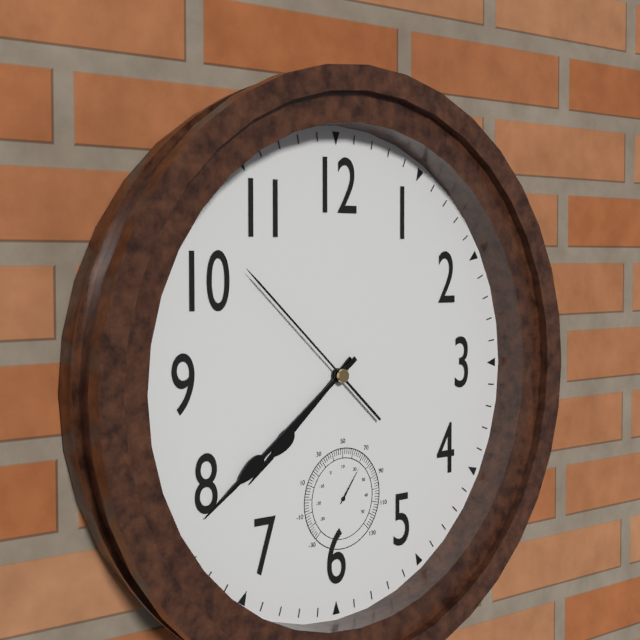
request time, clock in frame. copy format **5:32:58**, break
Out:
**7:39:52**
